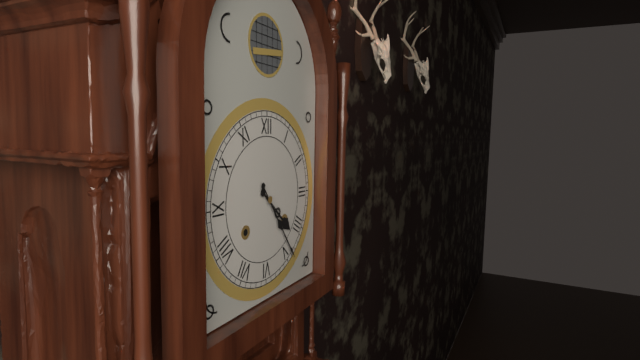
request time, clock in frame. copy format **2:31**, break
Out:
**4:24**
